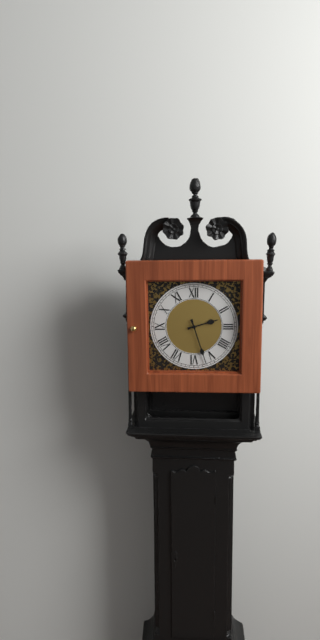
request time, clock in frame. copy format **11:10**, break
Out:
**2:27**
